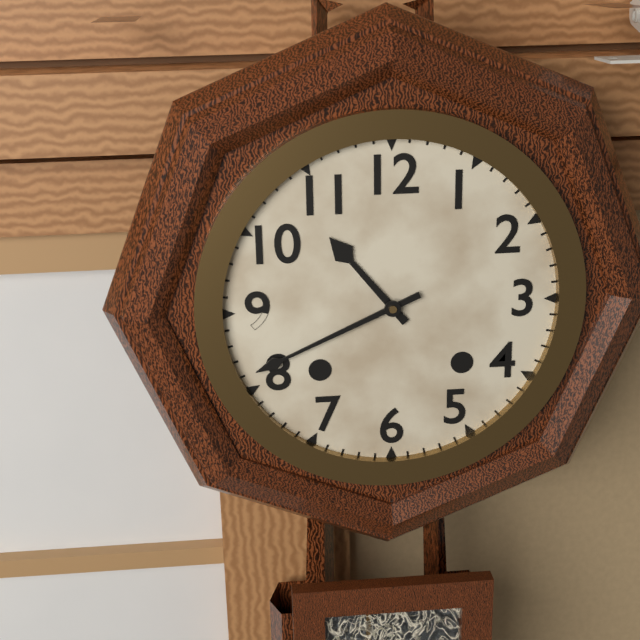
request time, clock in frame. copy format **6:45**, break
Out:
**10:41**
